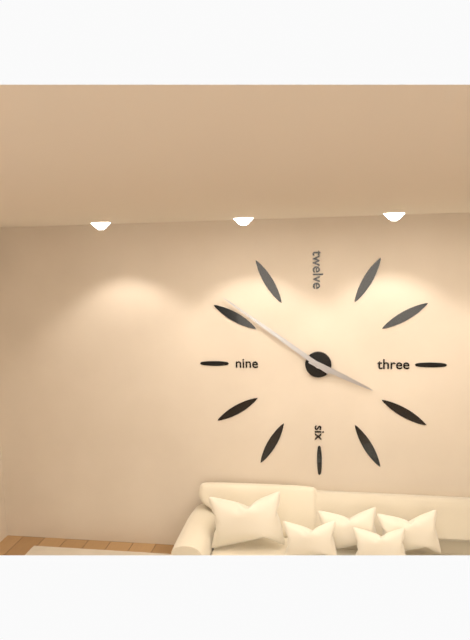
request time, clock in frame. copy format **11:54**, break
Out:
**3:51**
